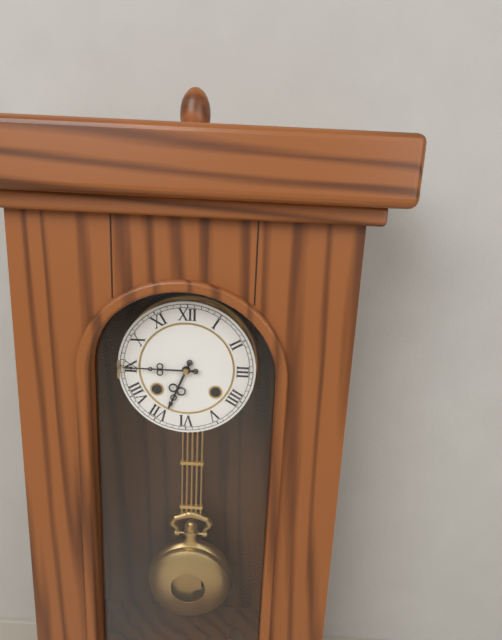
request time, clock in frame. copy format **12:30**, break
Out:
**6:45**
